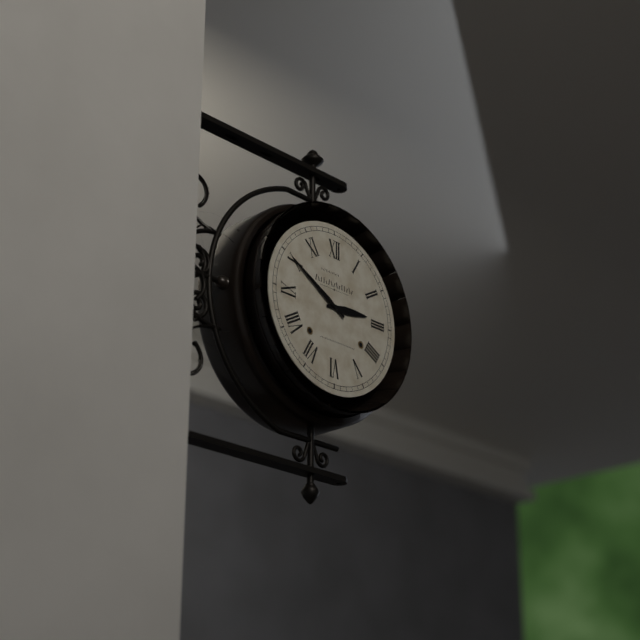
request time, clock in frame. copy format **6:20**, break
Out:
**2:50**
